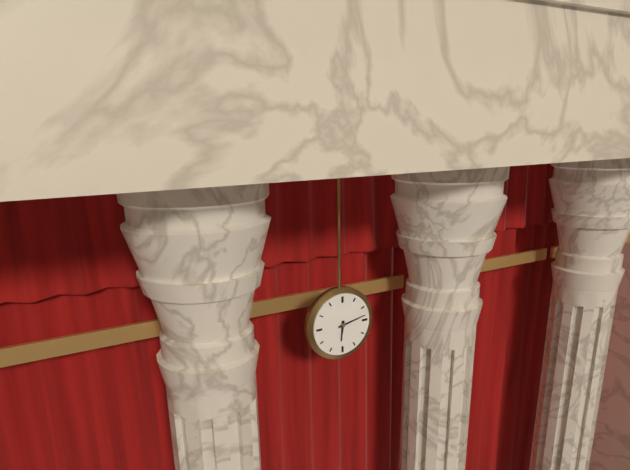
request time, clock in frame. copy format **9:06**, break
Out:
**6:13**
